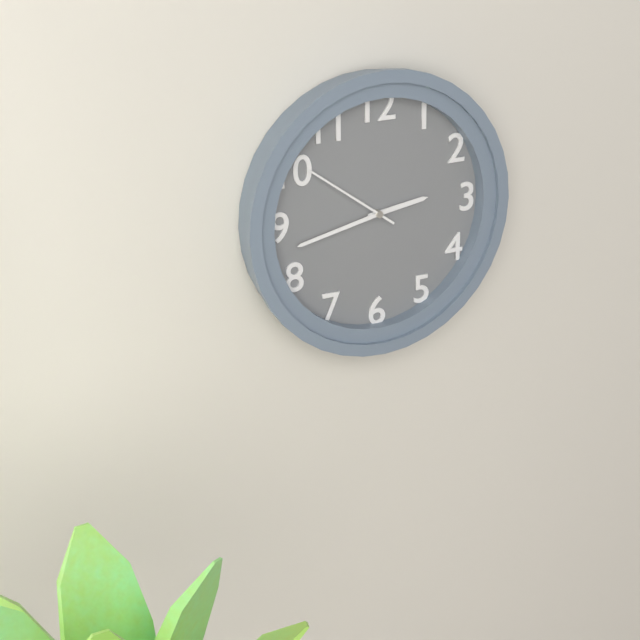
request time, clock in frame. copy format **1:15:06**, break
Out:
**2:43:51**
